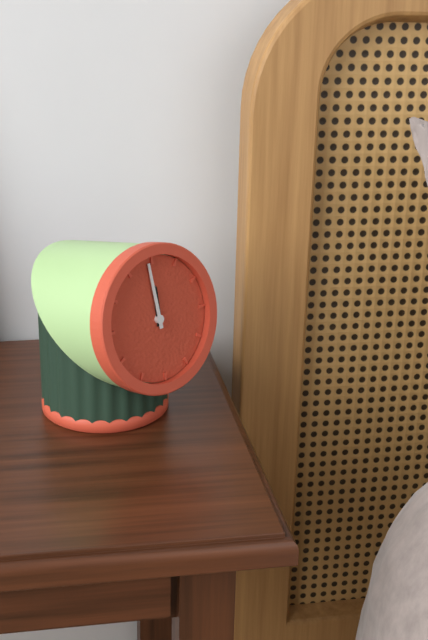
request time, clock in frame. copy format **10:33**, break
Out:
**11:59**
